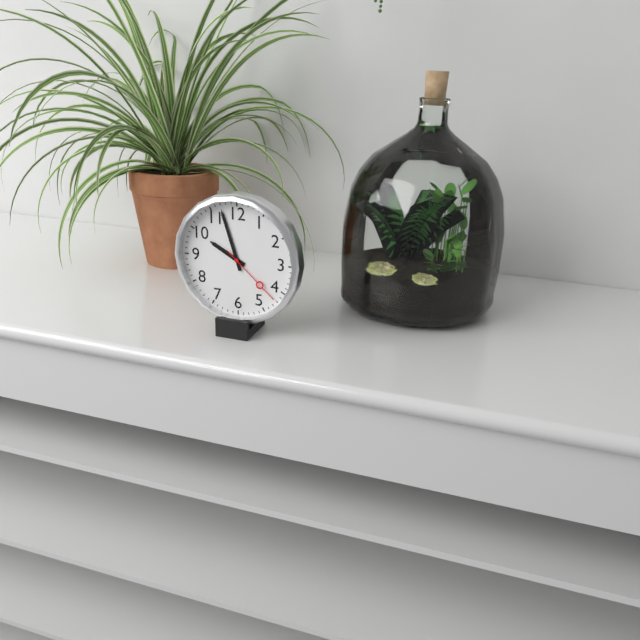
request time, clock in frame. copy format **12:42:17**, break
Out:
**9:57:22**
